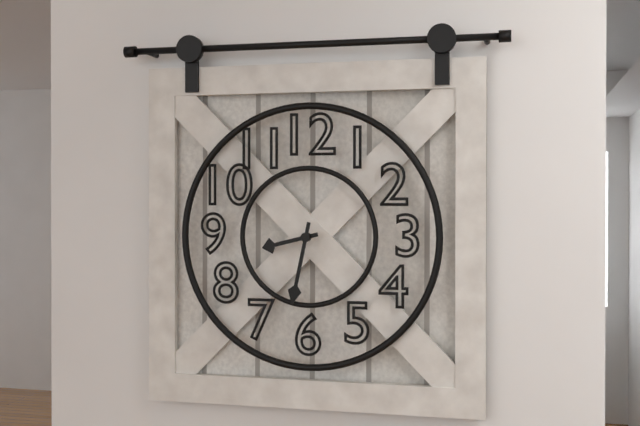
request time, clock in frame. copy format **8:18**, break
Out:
**8:32**
